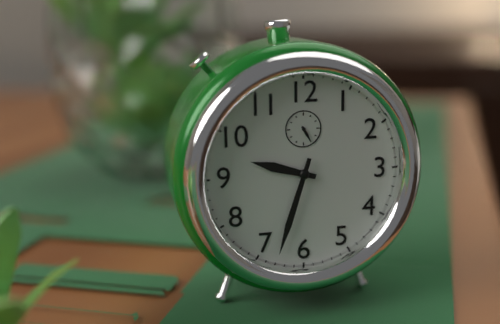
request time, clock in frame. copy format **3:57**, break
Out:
**9:33**
